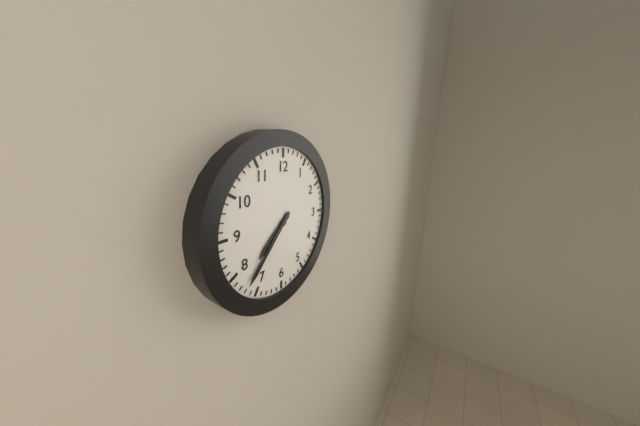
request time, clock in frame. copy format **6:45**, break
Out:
**7:37**
